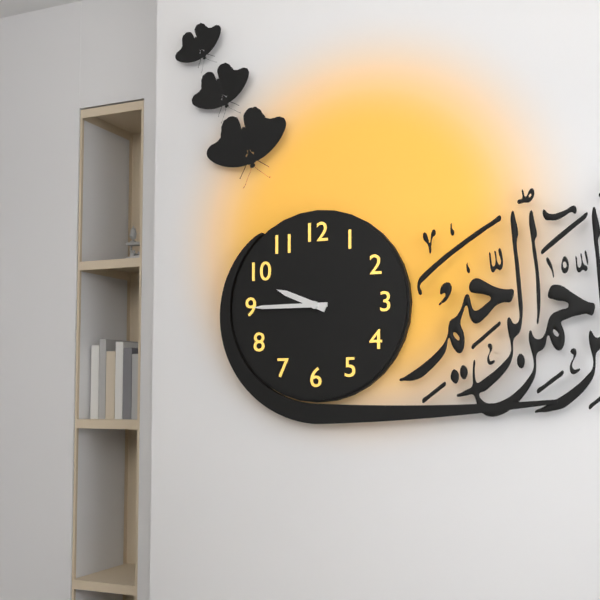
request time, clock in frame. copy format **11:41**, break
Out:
**9:45**
